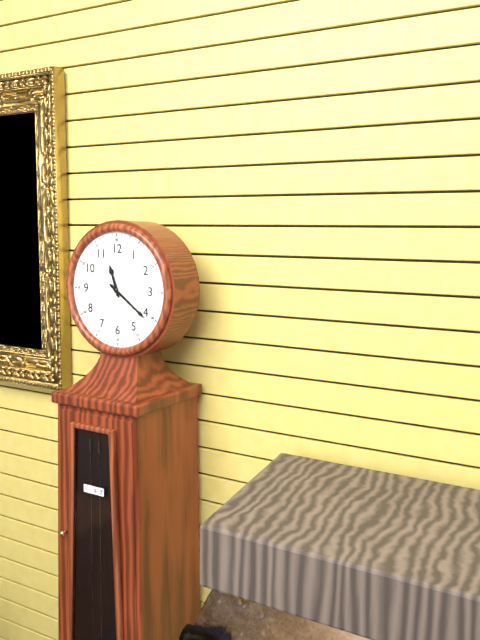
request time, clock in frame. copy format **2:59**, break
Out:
**11:21**
